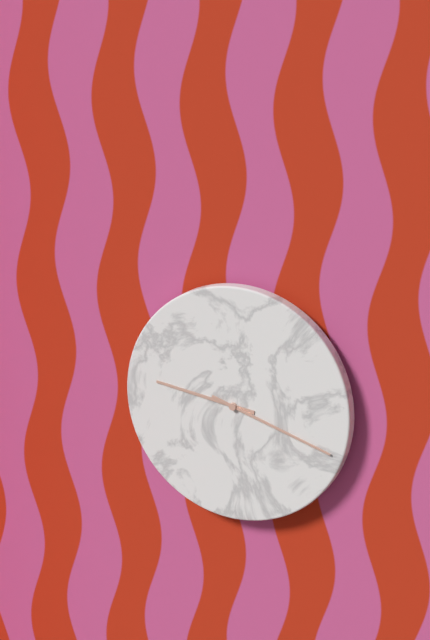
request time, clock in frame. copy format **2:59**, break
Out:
**9:18**
